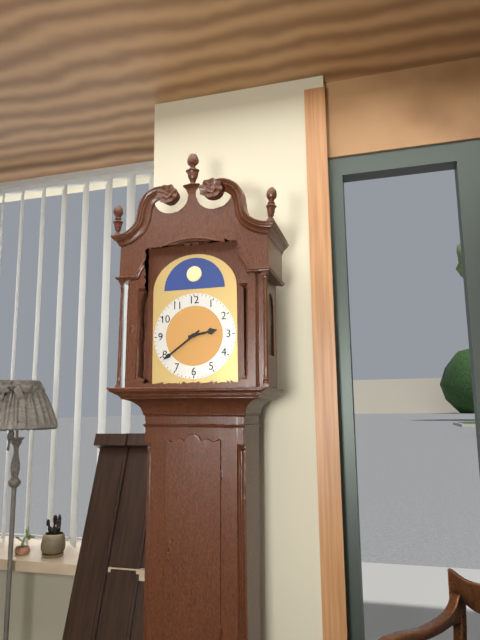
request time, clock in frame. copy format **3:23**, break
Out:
**2:39**
